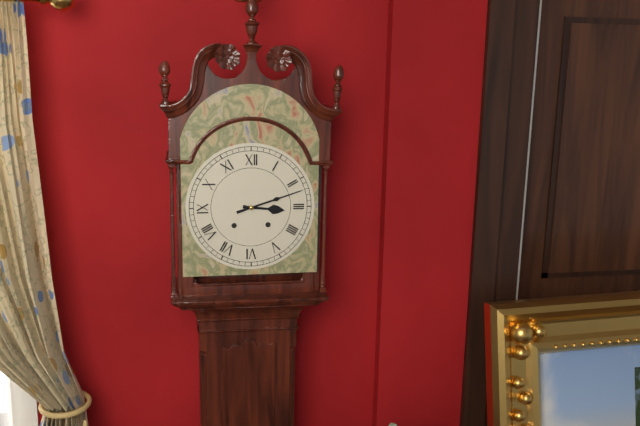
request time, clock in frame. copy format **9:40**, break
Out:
**3:12**
